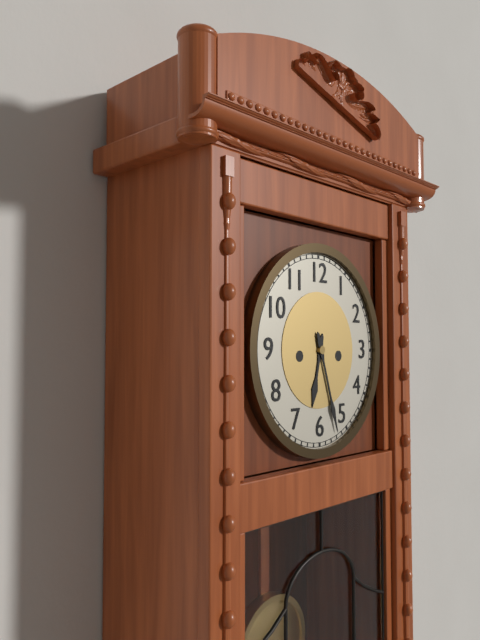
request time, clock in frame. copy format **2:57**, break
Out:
**6:27**
